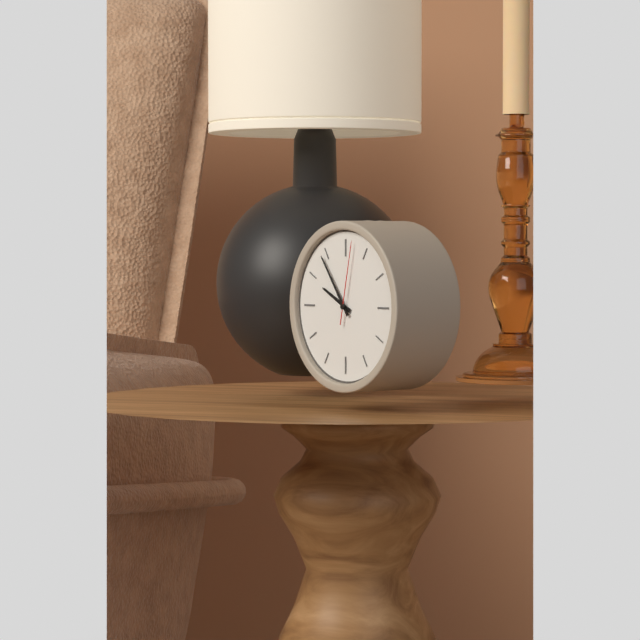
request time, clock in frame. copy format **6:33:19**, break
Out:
**9:54:02**
